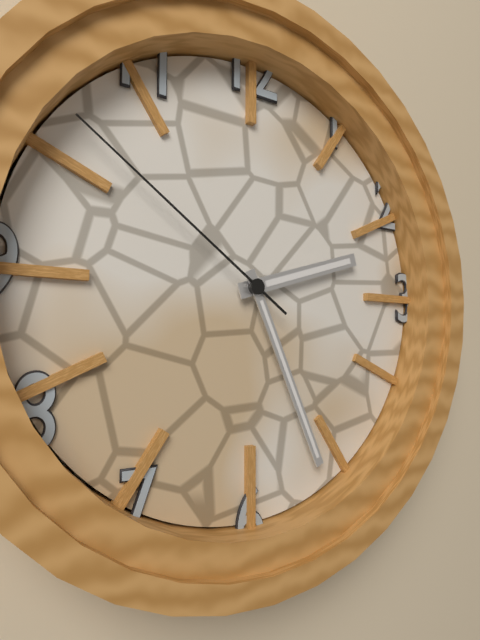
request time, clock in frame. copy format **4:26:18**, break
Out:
**2:26:51**
